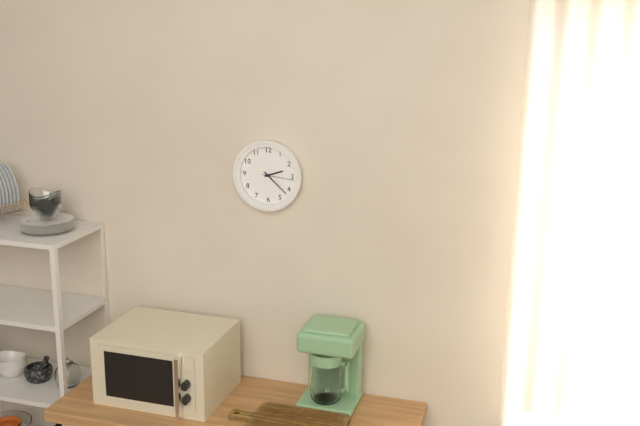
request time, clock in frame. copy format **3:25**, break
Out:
**2:22**
